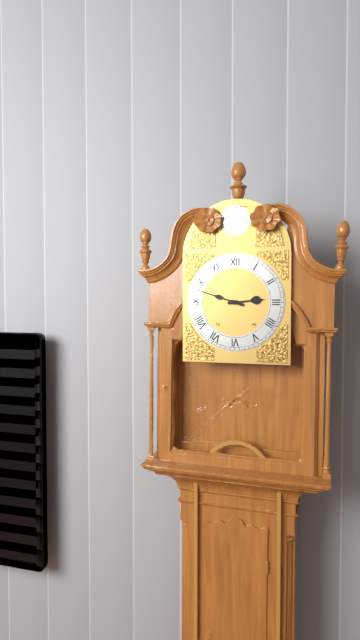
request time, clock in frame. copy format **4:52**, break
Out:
**2:48**
